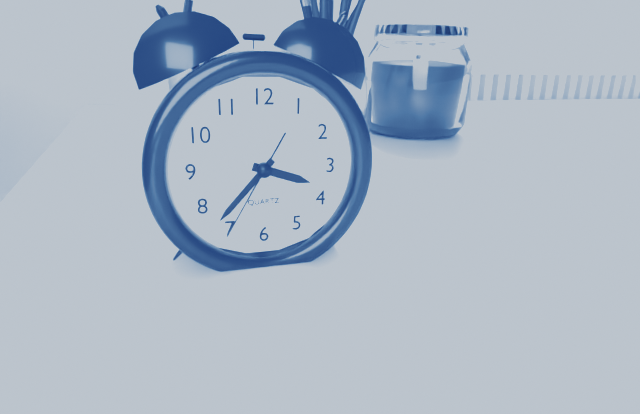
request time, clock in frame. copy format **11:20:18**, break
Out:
**3:37:35**
